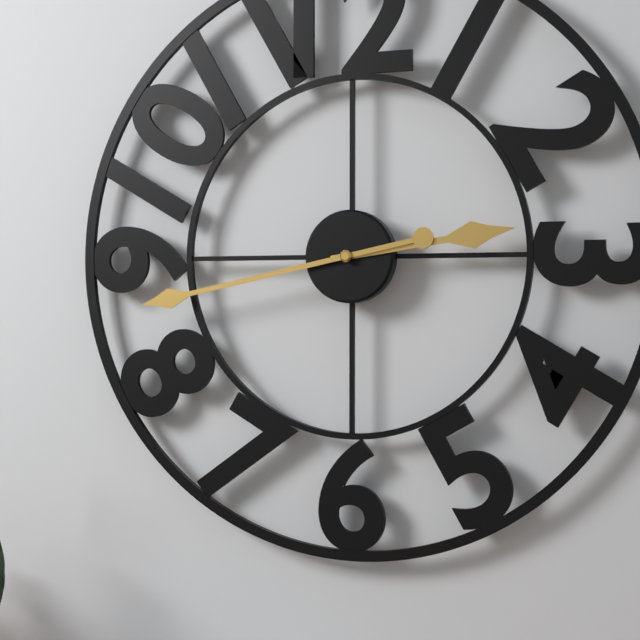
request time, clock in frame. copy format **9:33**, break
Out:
**2:43**
